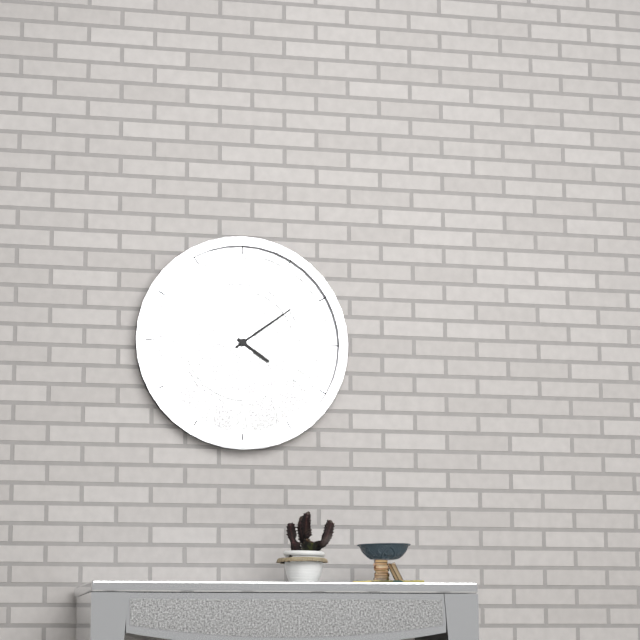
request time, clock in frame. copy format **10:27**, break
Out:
**4:09**
